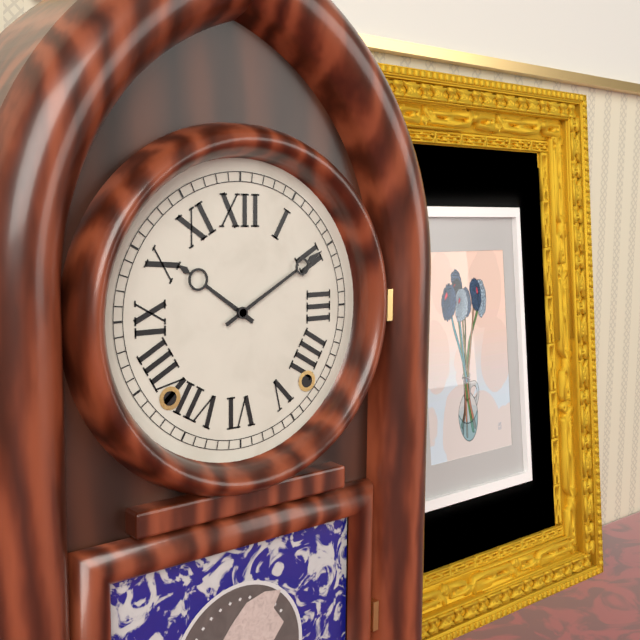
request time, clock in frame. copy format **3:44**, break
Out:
**10:10**
